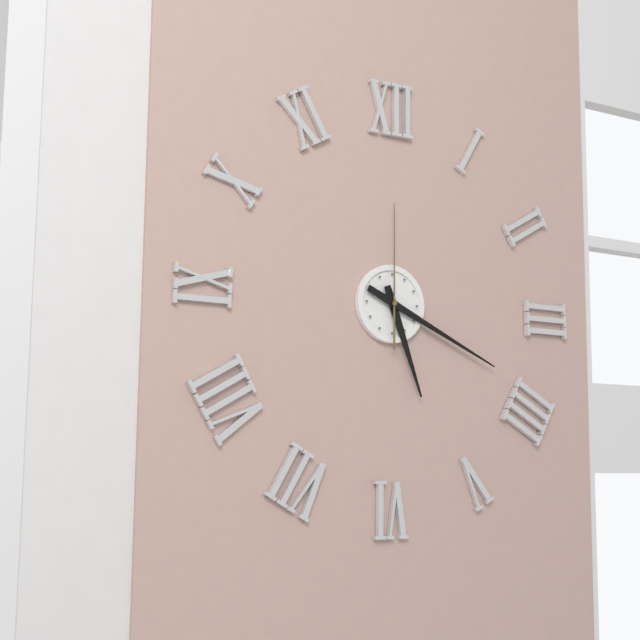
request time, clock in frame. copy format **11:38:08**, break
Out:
**5:19:00**
